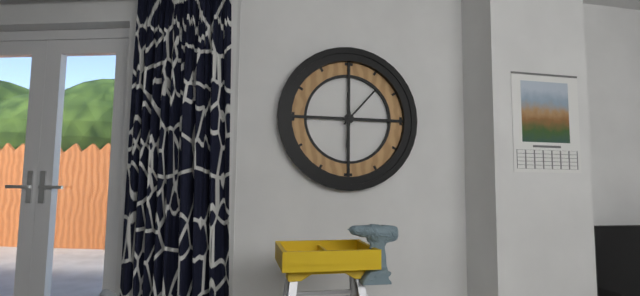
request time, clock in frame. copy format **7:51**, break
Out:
**6:07**
